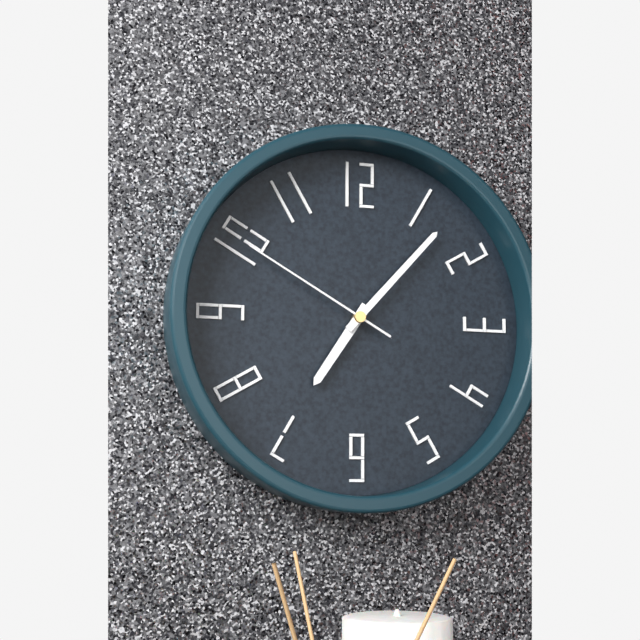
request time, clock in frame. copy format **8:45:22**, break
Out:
**7:07:50**
